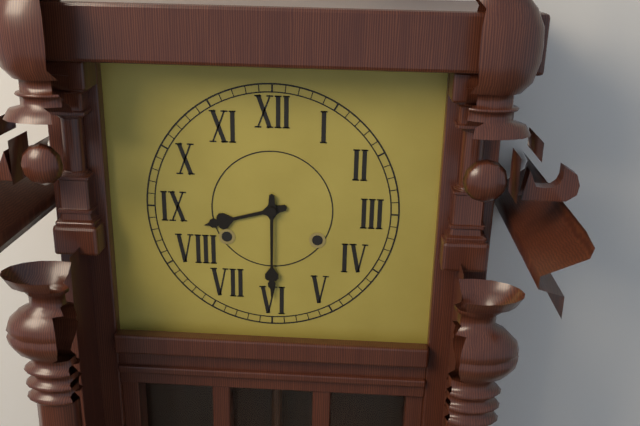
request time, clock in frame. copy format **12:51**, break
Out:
**8:30**
